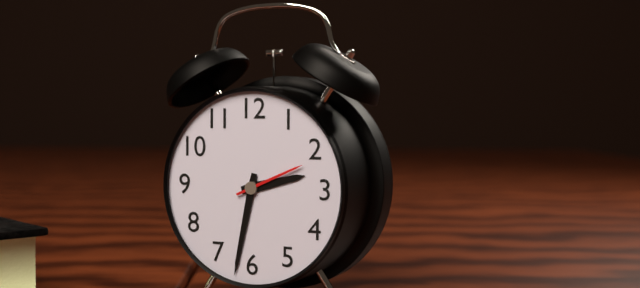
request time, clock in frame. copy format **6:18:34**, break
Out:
**2:32:11**
